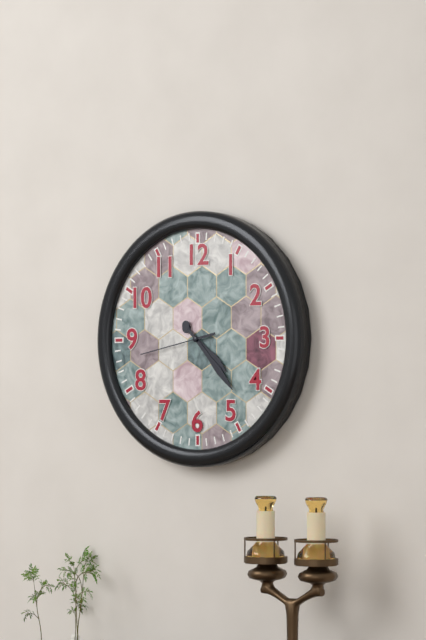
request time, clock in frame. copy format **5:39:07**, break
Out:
**4:23:43**
